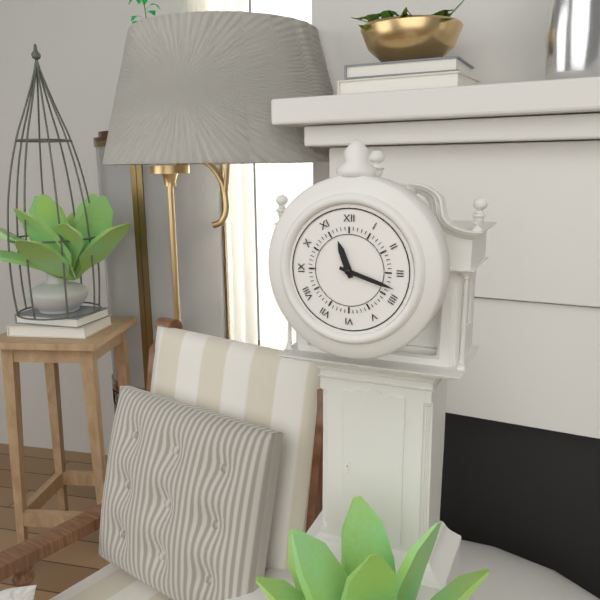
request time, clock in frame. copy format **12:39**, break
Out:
**11:18**
